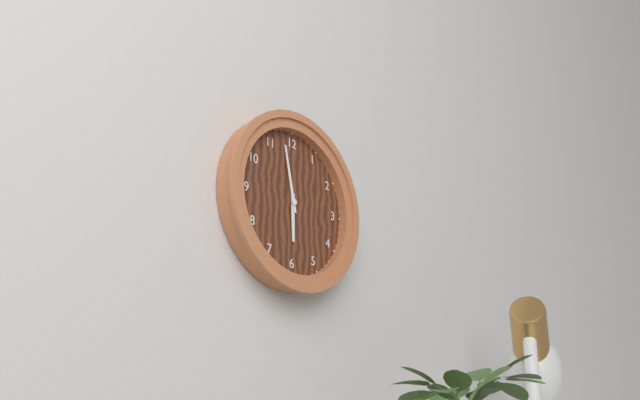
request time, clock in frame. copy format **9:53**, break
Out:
**5:58**
